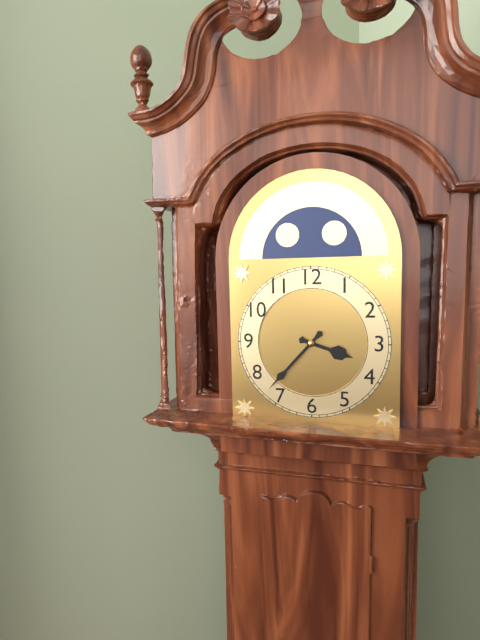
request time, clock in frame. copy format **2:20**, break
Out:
**3:37**
